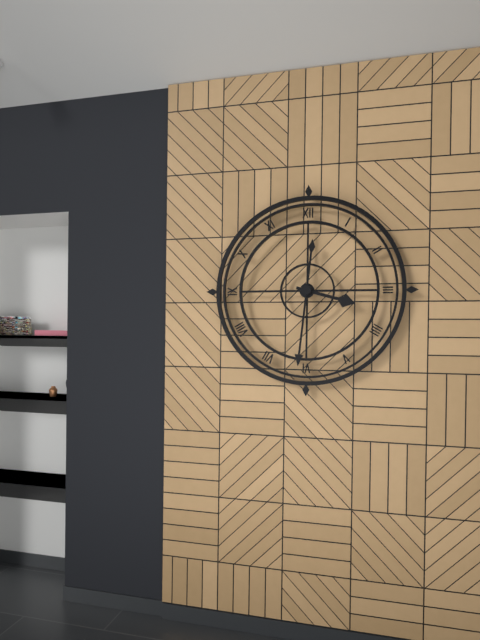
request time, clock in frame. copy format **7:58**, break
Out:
**3:31**
